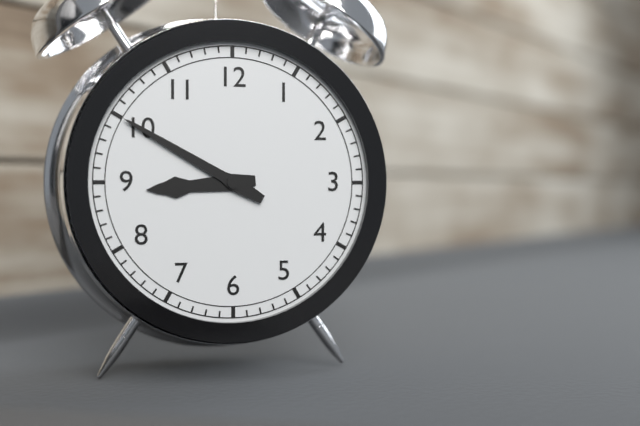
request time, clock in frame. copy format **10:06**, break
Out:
**8:50**
